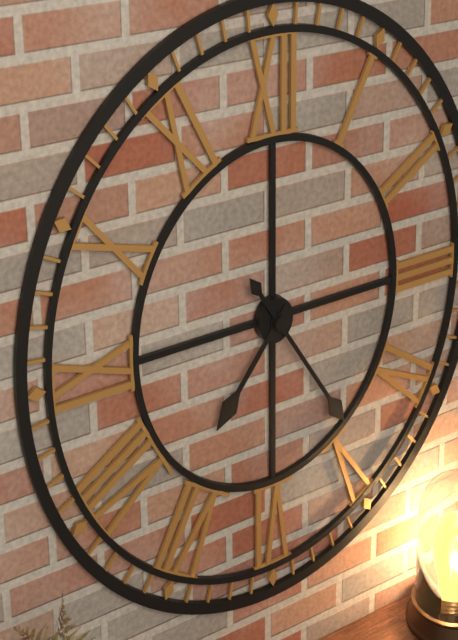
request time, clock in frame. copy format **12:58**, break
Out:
**7:24**
